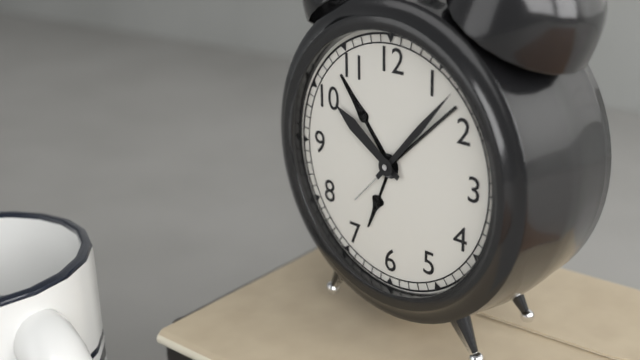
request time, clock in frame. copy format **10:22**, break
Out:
**10:07**
